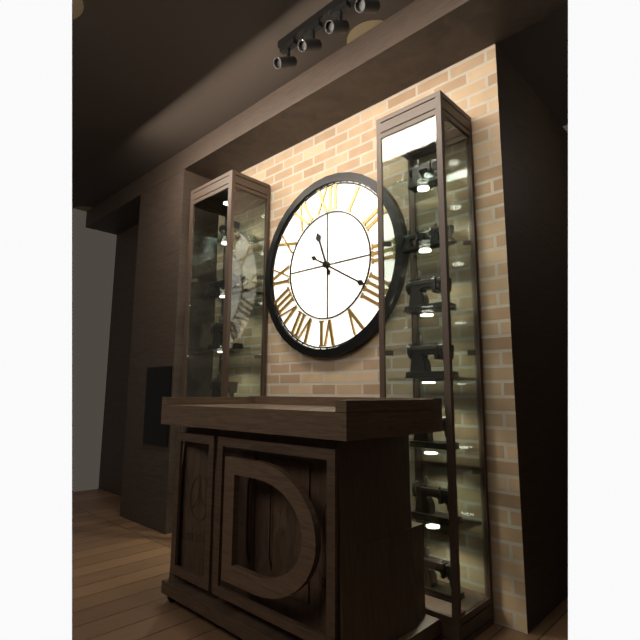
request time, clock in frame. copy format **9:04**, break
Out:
**11:20**
